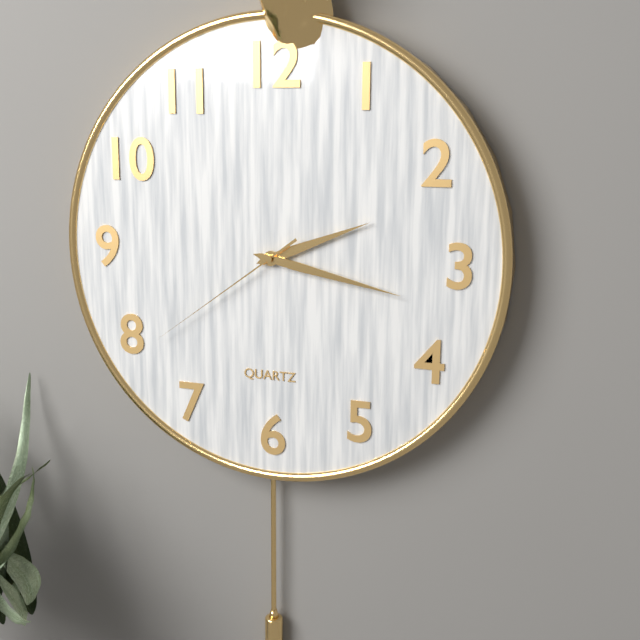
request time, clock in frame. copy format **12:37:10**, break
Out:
**2:17:39**
